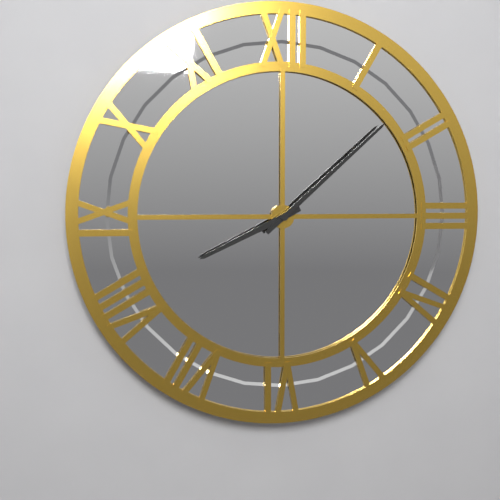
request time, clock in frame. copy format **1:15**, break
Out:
**8:08**
